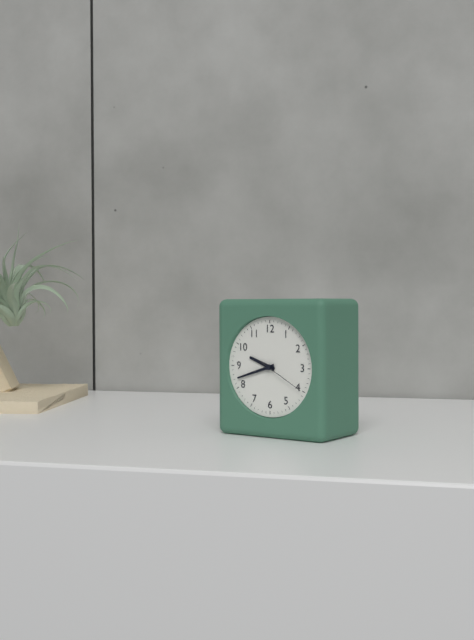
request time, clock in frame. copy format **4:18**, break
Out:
**9:42**
